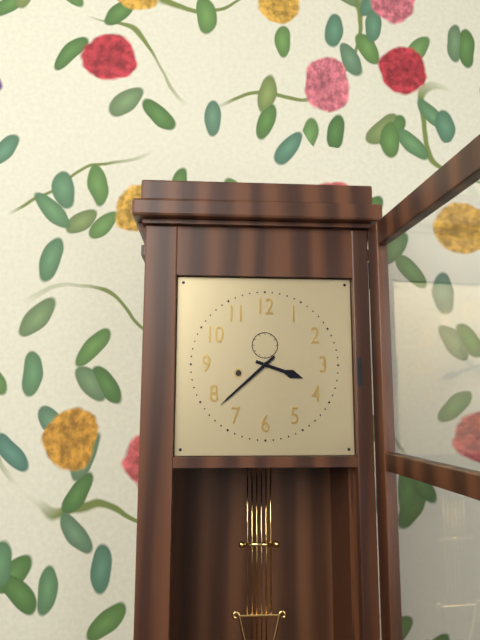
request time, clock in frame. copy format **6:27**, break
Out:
**3:38**
